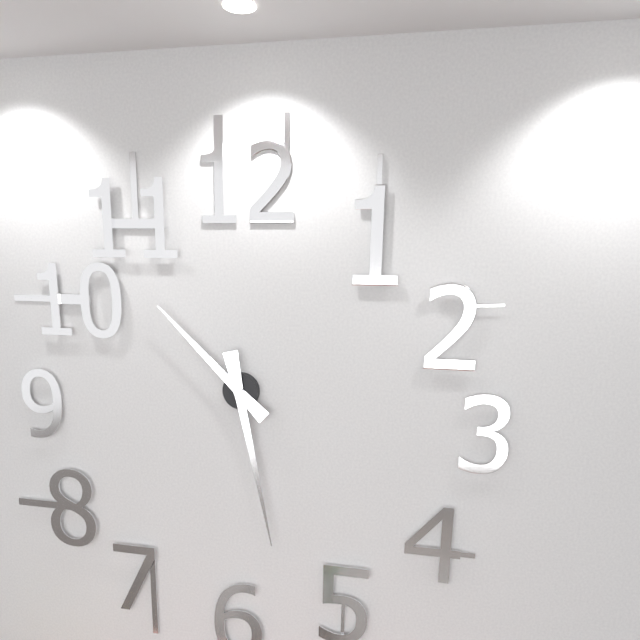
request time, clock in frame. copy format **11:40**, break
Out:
**10:28**
